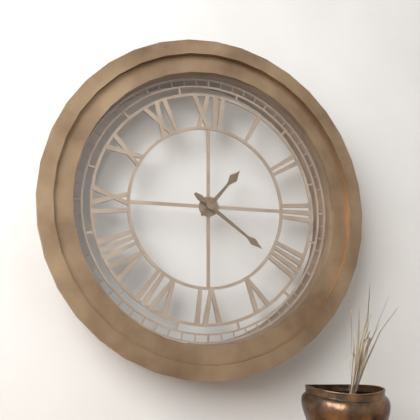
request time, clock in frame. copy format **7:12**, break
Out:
**1:21**
